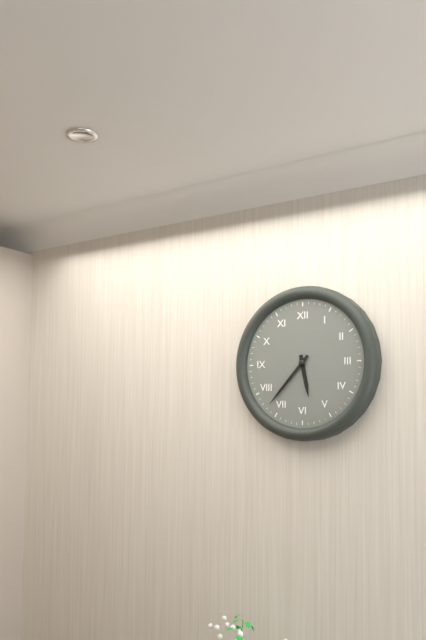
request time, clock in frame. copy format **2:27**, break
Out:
**5:37**
